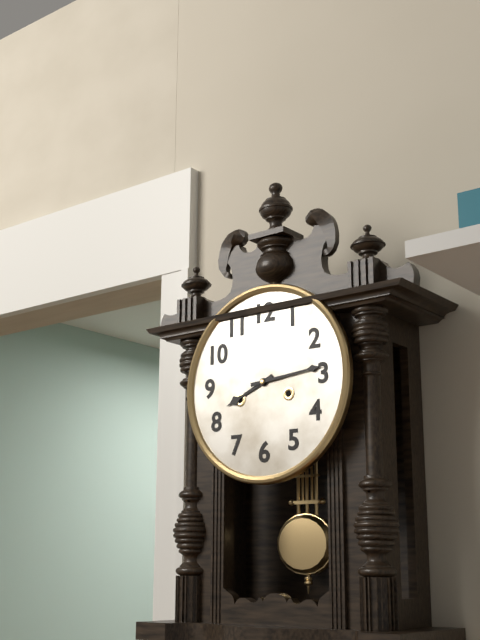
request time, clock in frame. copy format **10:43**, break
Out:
**8:14**
